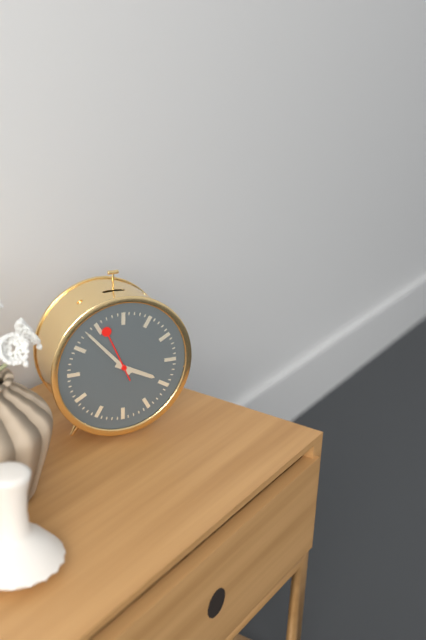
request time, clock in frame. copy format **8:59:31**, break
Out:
**3:53:56**
